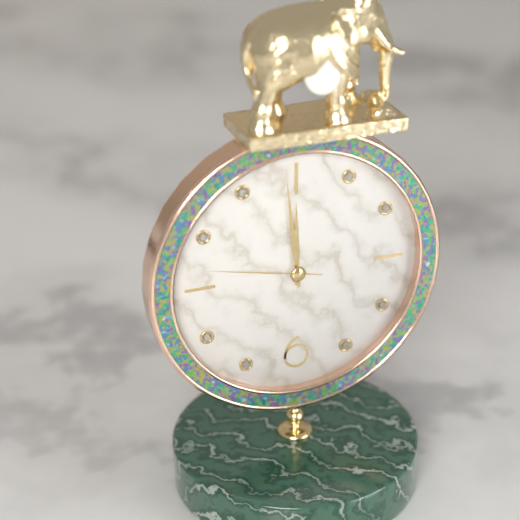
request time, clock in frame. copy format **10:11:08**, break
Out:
**11:59:47**
